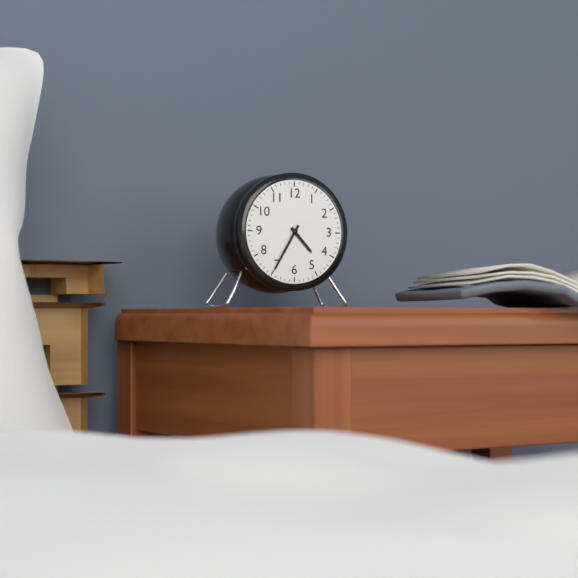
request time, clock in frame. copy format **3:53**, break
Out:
**4:35**
